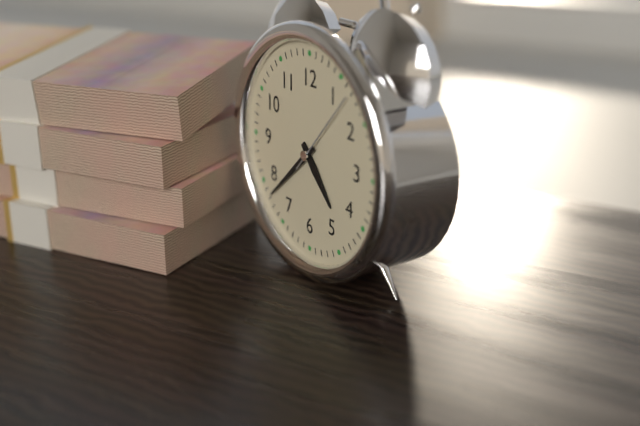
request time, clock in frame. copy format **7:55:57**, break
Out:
**4:38:07**
